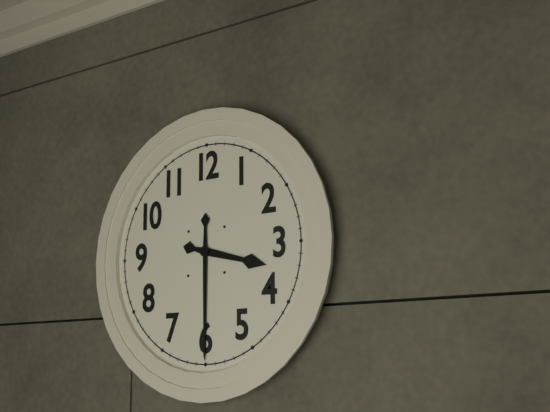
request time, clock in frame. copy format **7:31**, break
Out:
**3:30**
